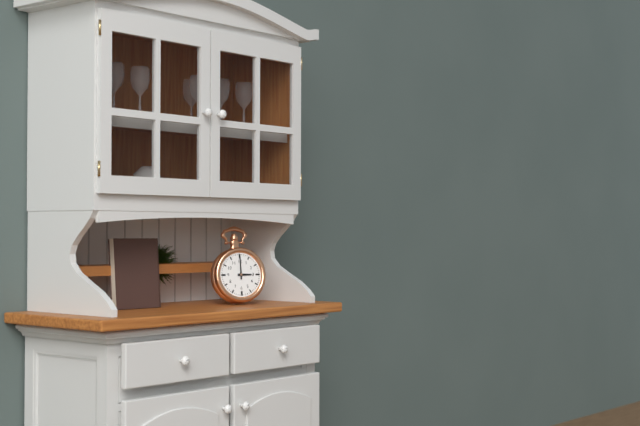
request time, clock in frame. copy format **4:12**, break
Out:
**3:00**
